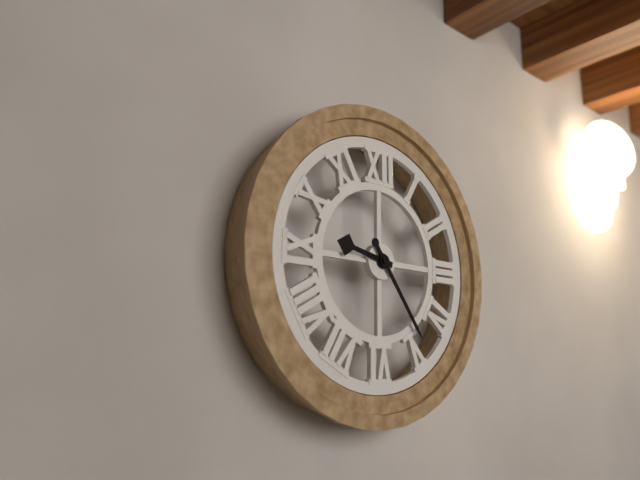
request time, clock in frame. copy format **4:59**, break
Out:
**9:24**
